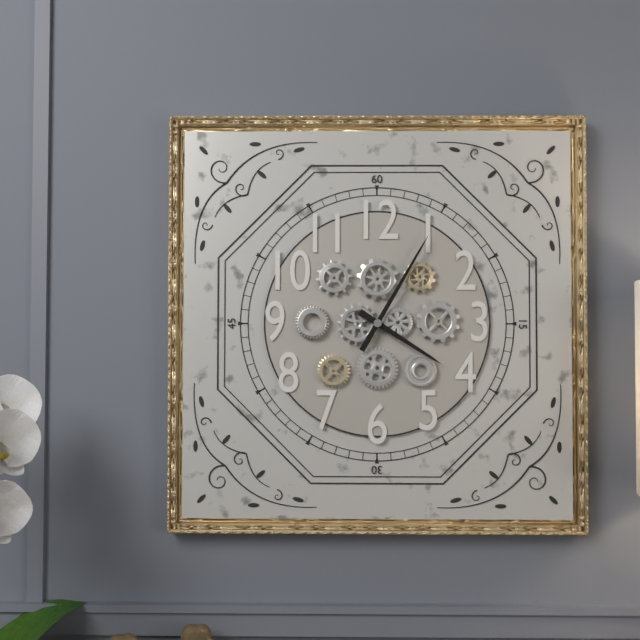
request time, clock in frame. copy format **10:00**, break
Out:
**4:05**
